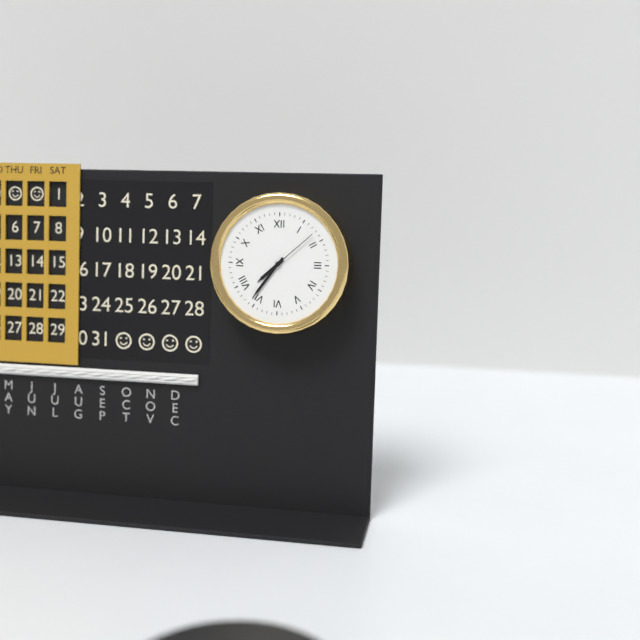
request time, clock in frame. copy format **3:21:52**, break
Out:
**7:36:08**
